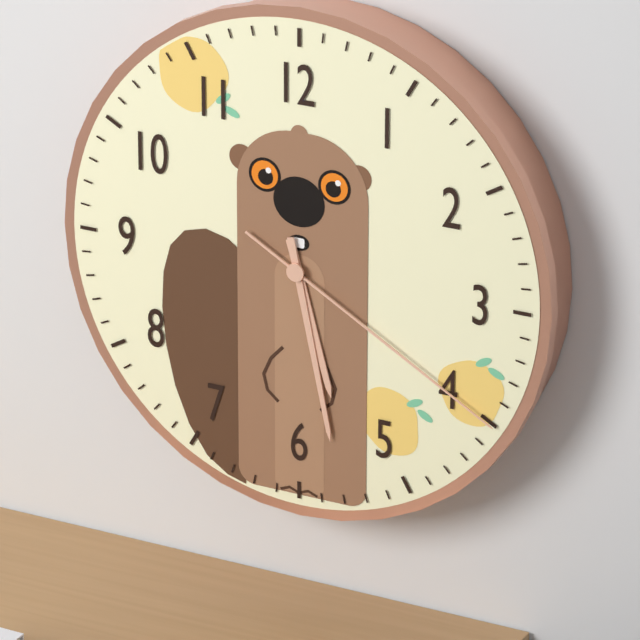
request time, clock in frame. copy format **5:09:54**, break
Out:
**5:28:20**
